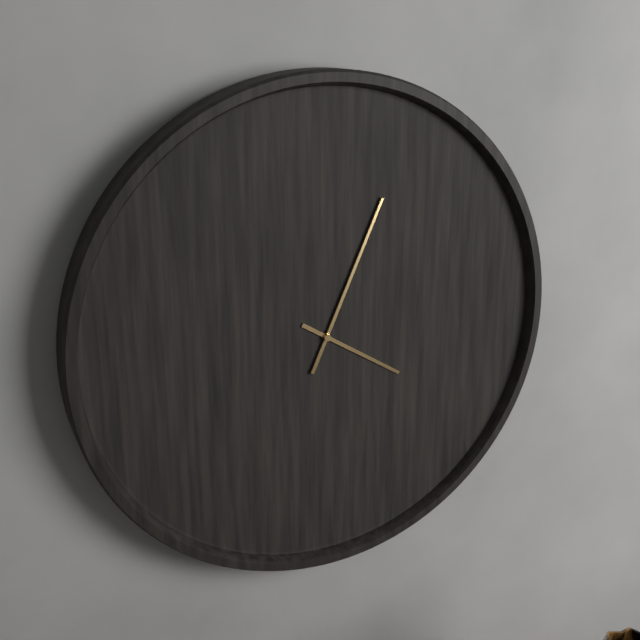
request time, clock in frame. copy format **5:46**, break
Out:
**4:04**
